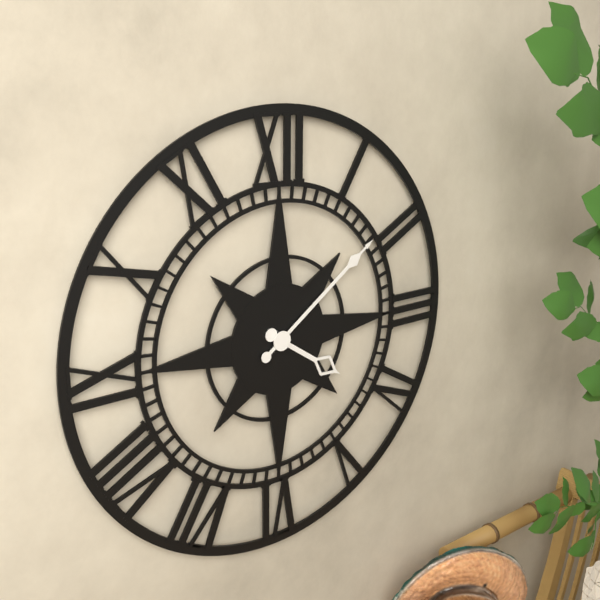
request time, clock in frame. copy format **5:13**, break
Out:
**4:09**
